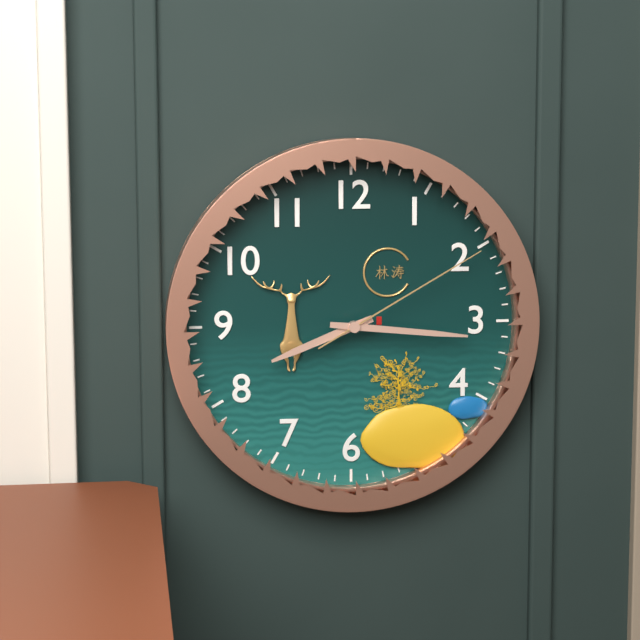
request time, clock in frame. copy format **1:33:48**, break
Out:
**8:16:10**
